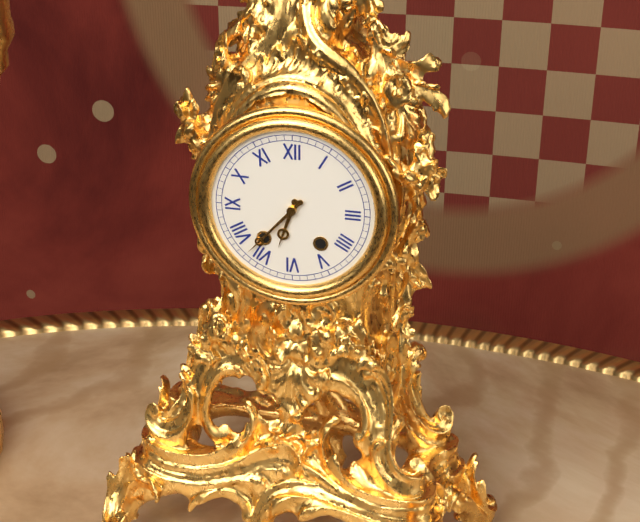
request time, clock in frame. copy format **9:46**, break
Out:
**6:37**
